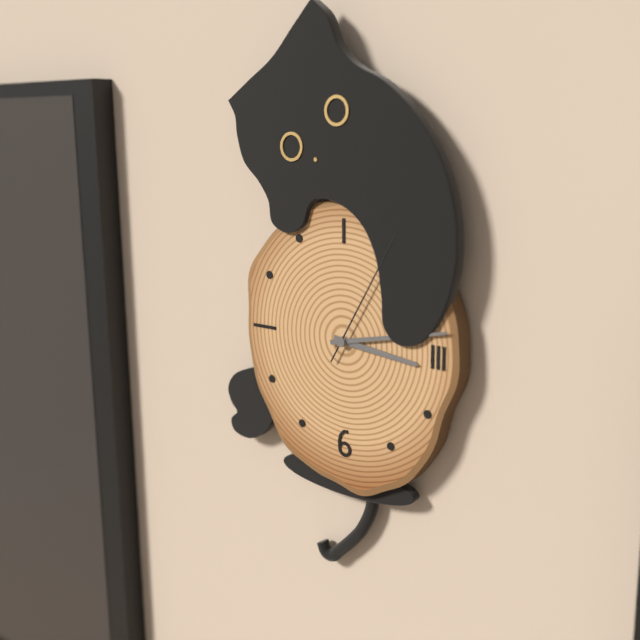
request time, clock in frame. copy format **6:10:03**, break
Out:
**3:13:05**
